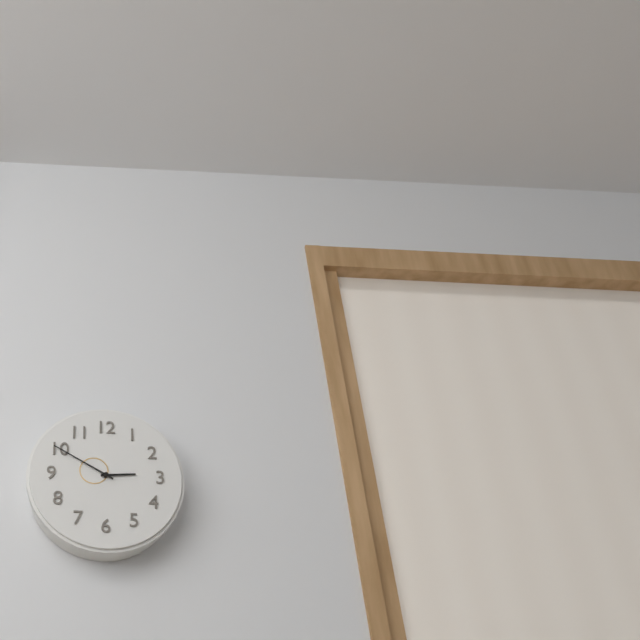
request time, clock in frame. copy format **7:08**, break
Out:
**2:50**
